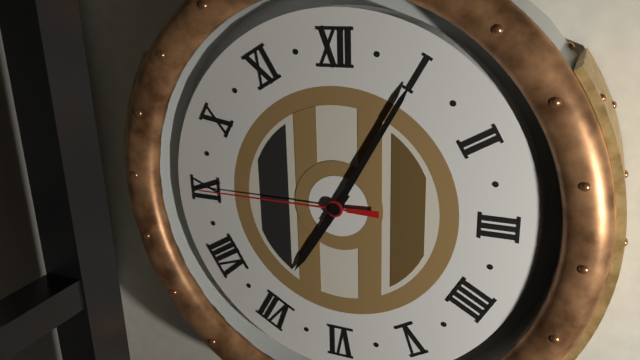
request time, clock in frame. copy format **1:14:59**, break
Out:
**7:05:45**
